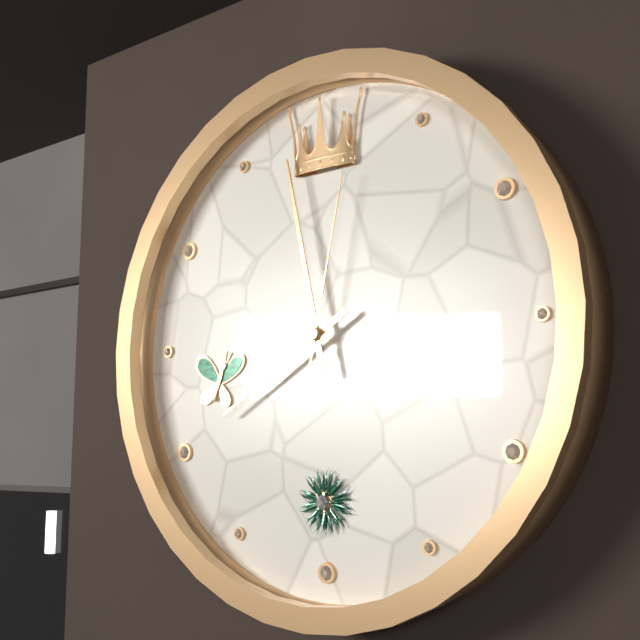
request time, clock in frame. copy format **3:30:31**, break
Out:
**7:58:02**
